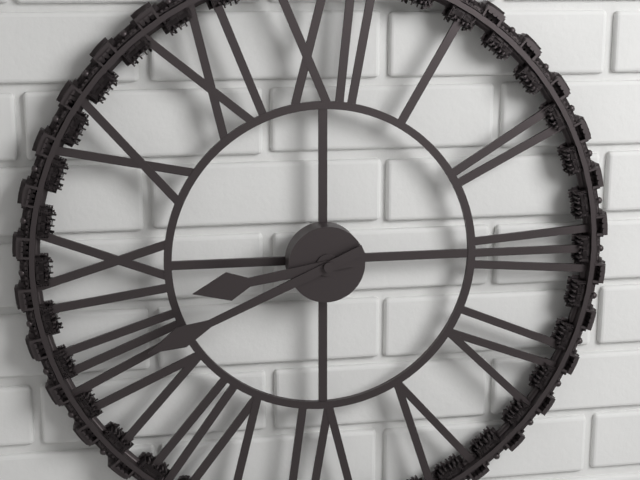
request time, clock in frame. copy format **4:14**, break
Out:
**8:41**
